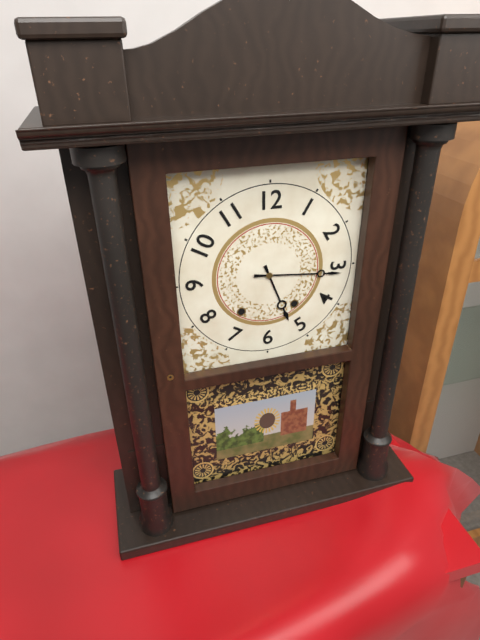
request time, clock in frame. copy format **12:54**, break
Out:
**5:16**
